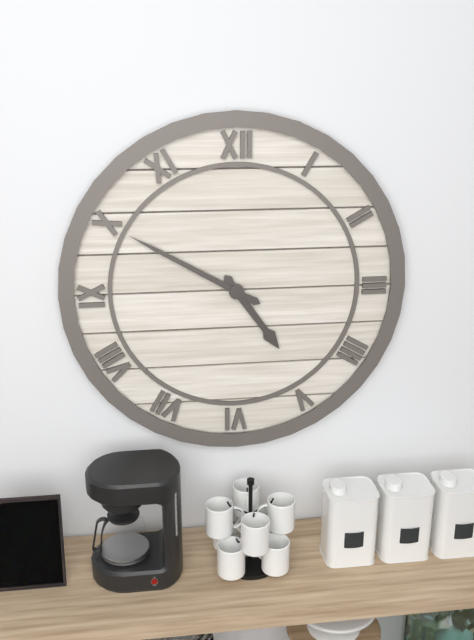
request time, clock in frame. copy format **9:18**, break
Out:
**4:50**
